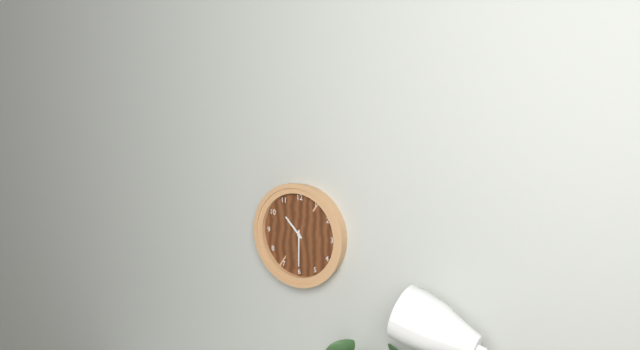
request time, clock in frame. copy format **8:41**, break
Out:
**10:30**
